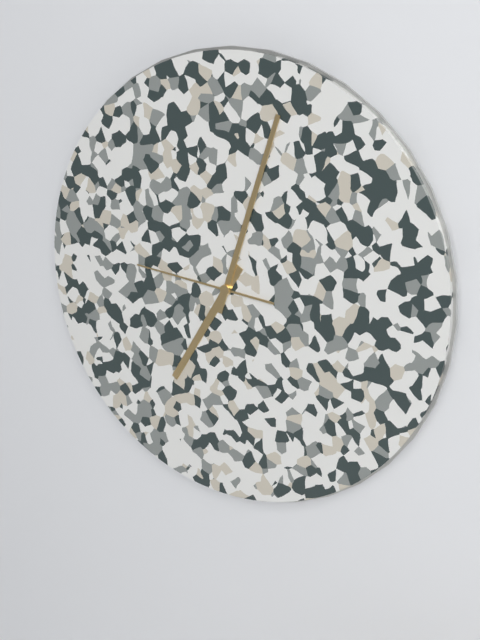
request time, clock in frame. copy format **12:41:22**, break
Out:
**7:03:46**
